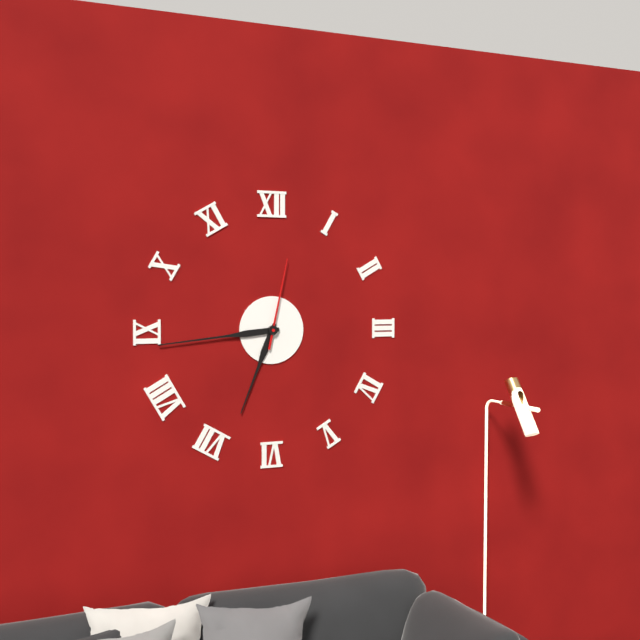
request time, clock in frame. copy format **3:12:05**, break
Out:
**6:44:02**
